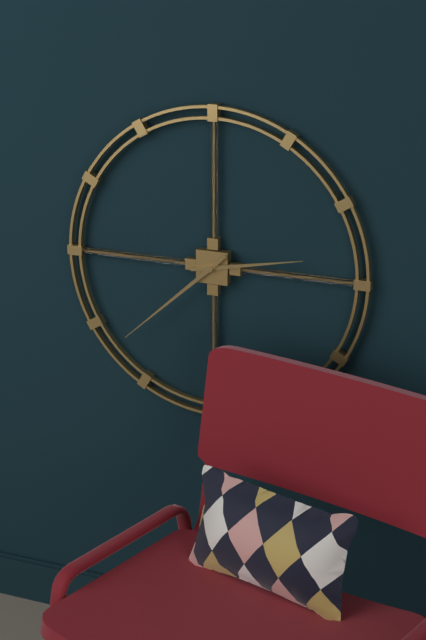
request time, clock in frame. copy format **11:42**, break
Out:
**2:38**
